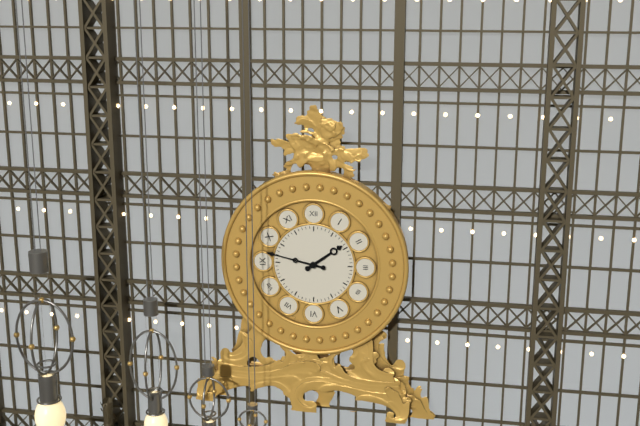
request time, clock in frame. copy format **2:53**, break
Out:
**1:47**
